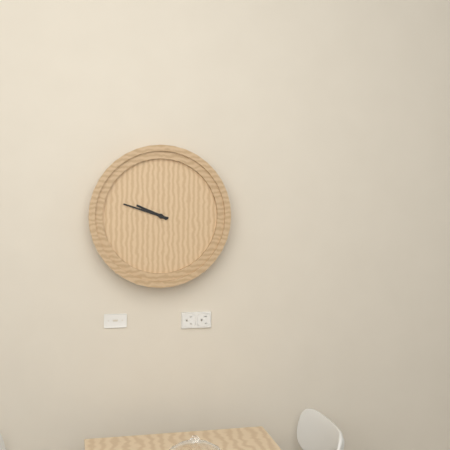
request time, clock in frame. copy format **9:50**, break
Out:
**9:48**
